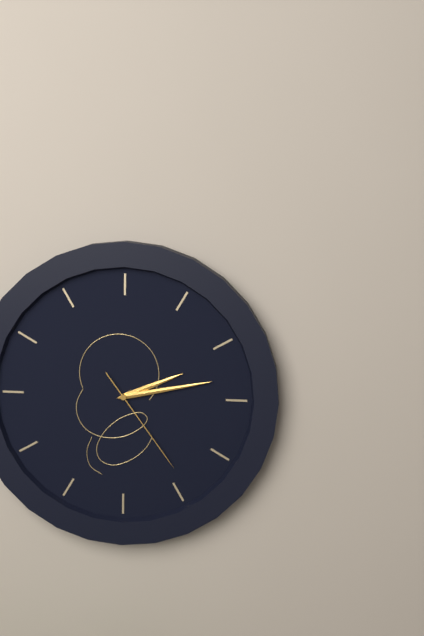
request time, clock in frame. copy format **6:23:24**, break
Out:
**2:13:24**
